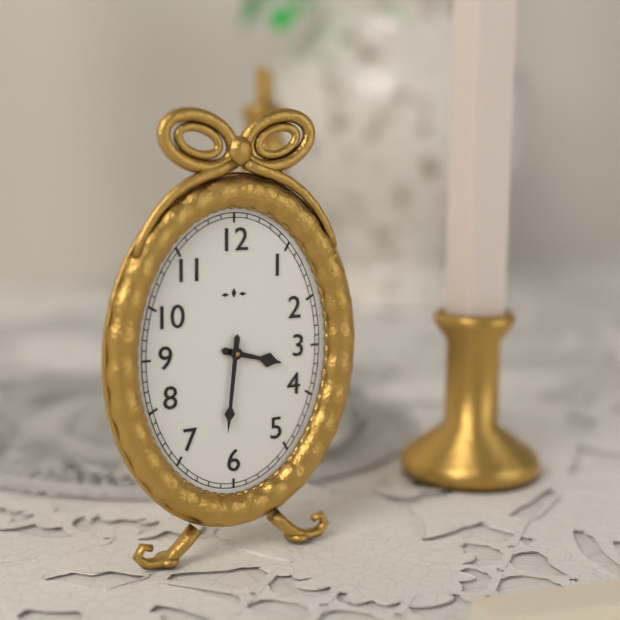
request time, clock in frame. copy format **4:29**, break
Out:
**3:31**
